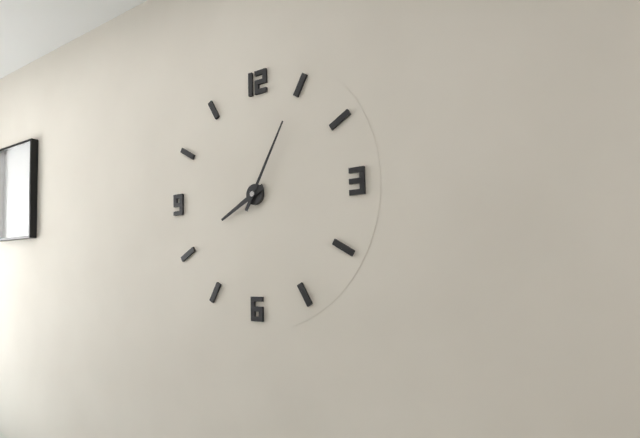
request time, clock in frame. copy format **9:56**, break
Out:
**8:05**
